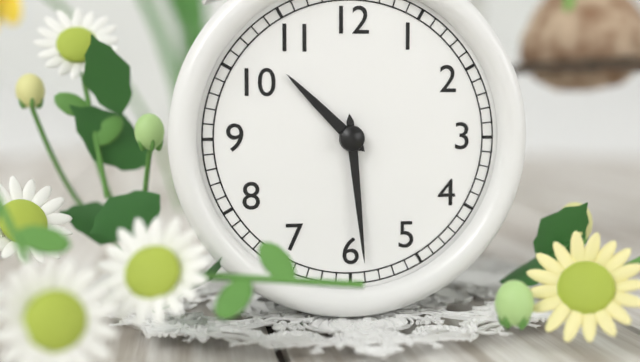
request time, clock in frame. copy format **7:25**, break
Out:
**10:29**
